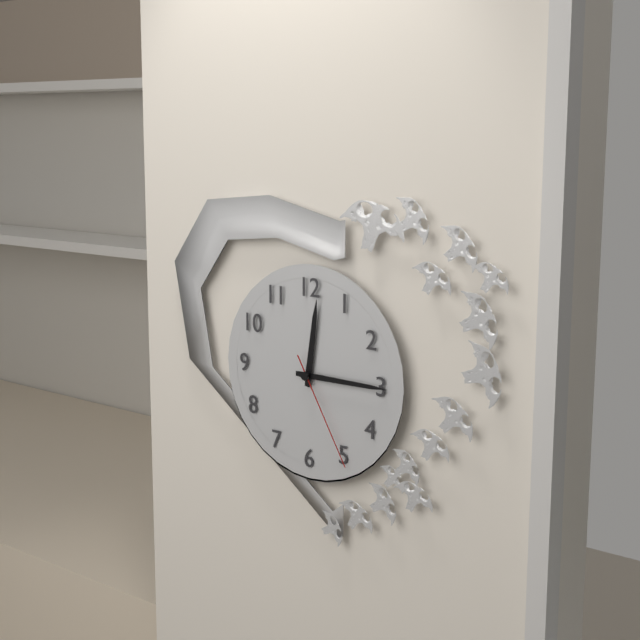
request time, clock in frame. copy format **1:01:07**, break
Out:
**12:15:25**
